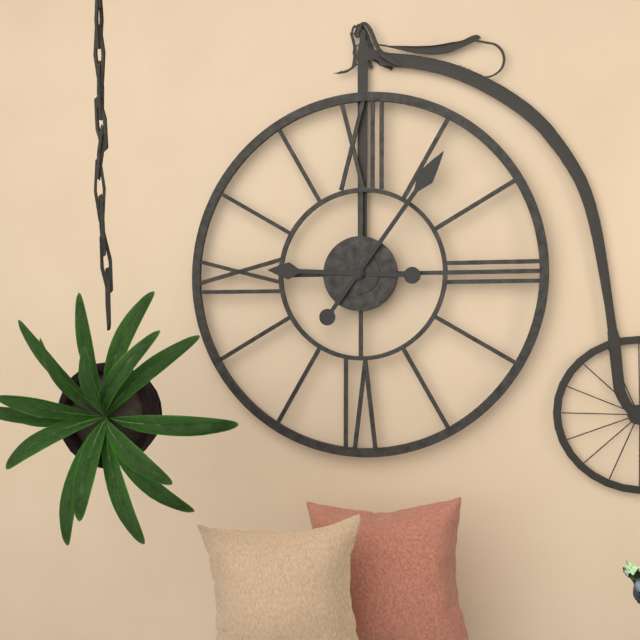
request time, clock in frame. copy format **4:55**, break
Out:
**9:06**
